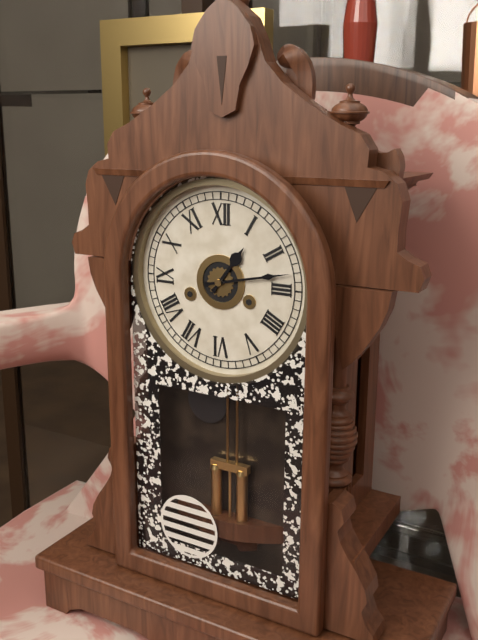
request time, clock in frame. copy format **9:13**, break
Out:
**1:13**
